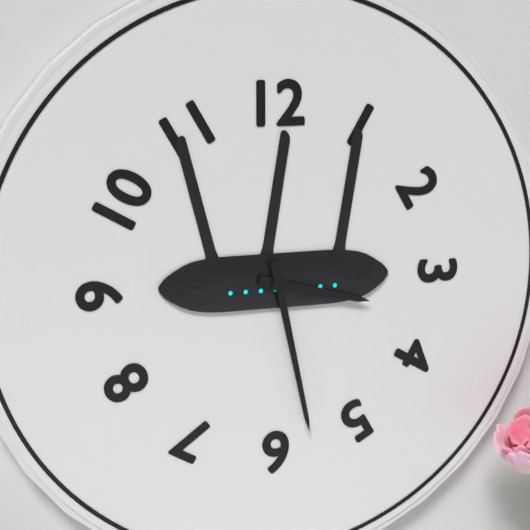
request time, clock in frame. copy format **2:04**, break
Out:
**3:28**
